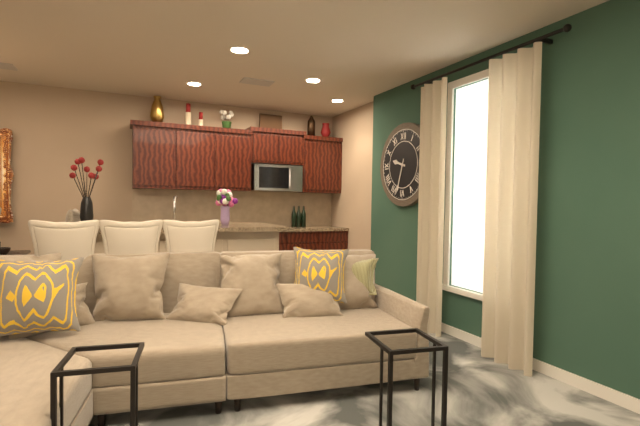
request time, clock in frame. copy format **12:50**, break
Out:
**9:33**
